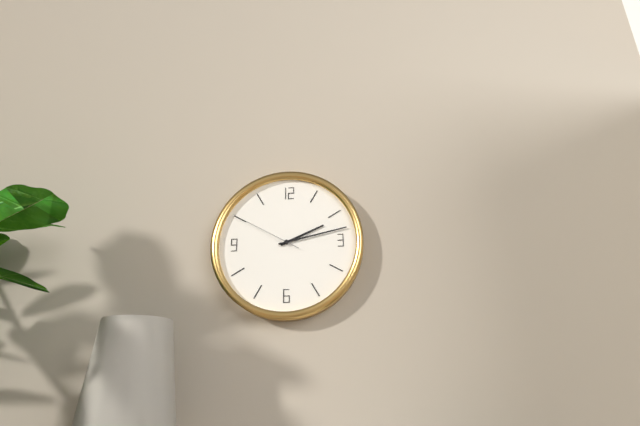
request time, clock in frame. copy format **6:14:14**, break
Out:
**2:13:50**
